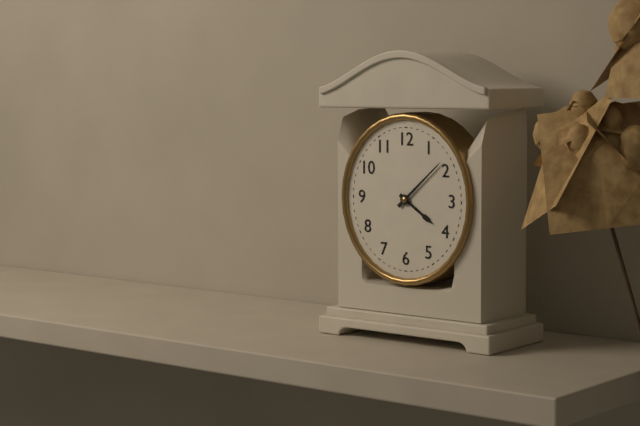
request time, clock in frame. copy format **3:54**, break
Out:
**4:08**
